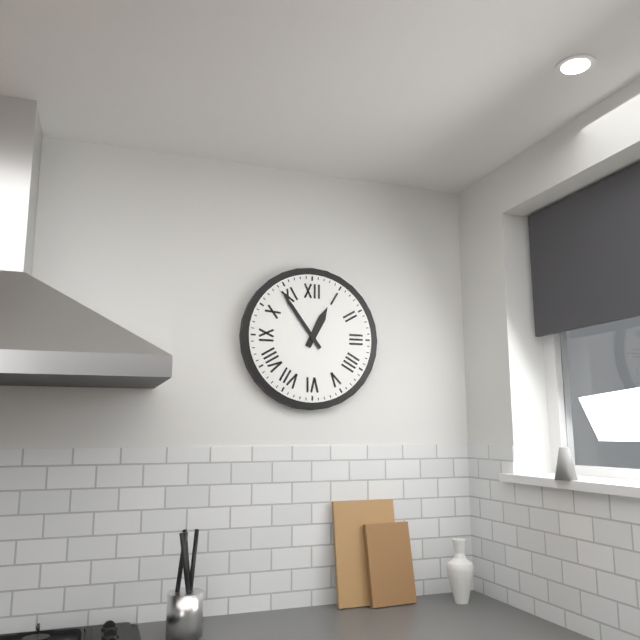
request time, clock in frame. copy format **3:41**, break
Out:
**12:54**
